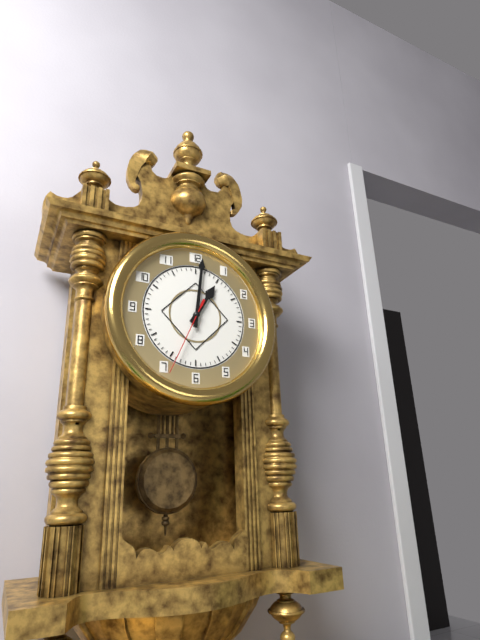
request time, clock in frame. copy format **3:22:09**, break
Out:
**1:01:34**
